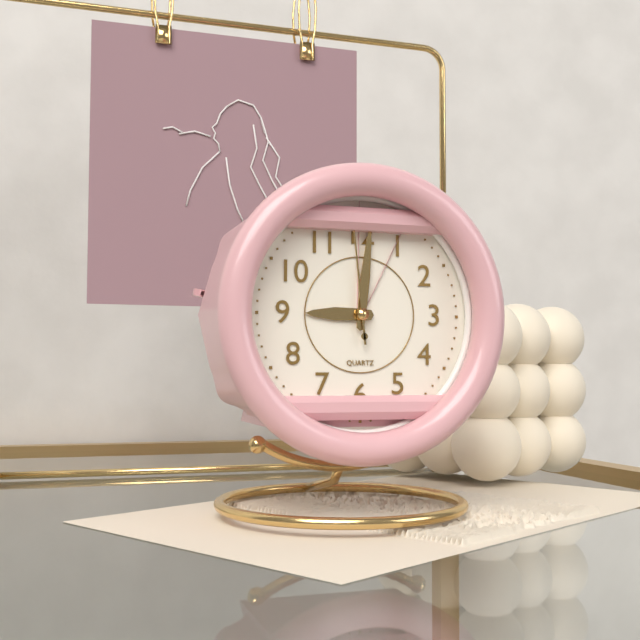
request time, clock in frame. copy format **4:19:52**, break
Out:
**9:01:59**
